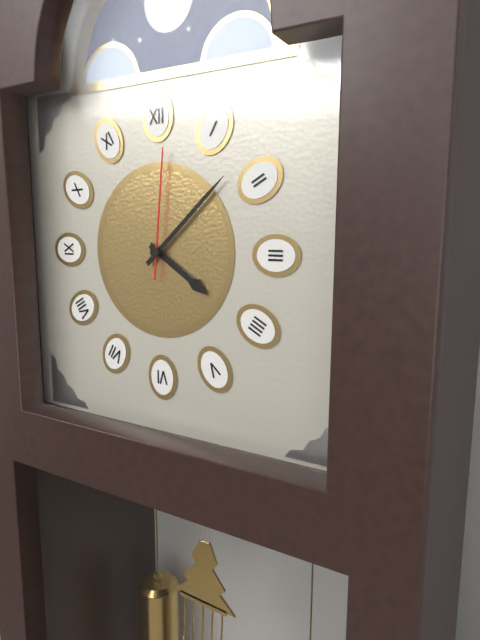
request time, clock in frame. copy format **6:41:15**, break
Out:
**4:08:01**
